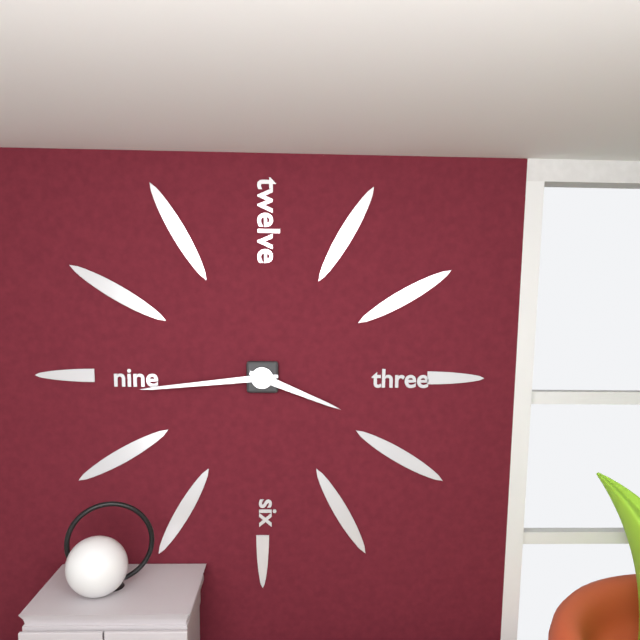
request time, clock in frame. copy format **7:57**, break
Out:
**3:44**
